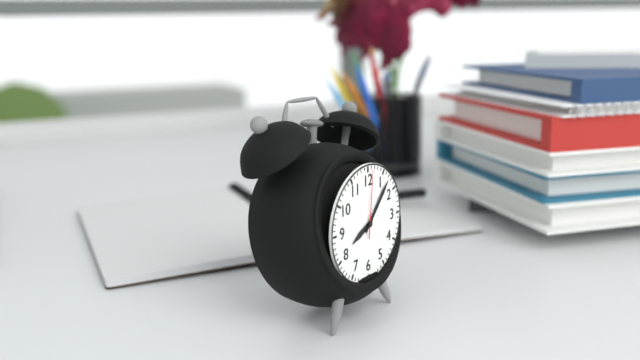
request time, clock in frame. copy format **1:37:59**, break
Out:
**8:07:01**
